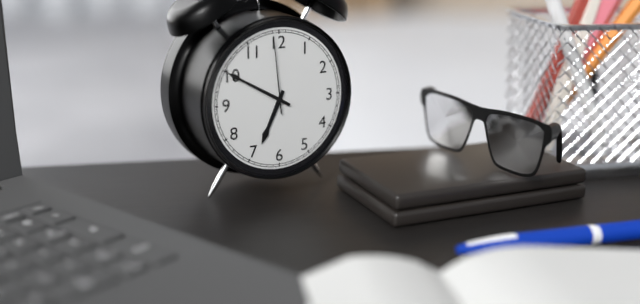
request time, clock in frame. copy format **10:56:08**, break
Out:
**6:50:59**
